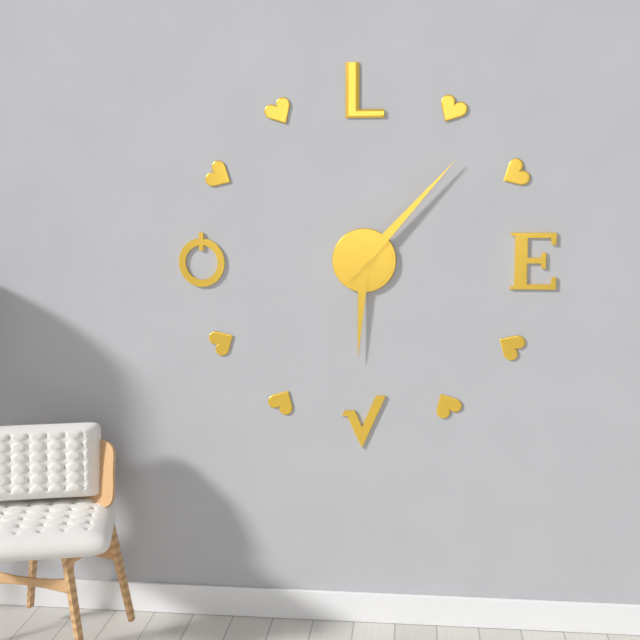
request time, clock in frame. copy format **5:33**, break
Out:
**6:07**
